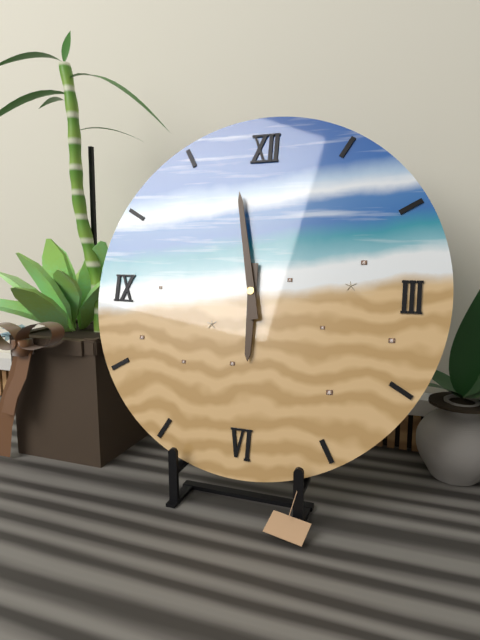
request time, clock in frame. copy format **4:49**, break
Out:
**5:58**
